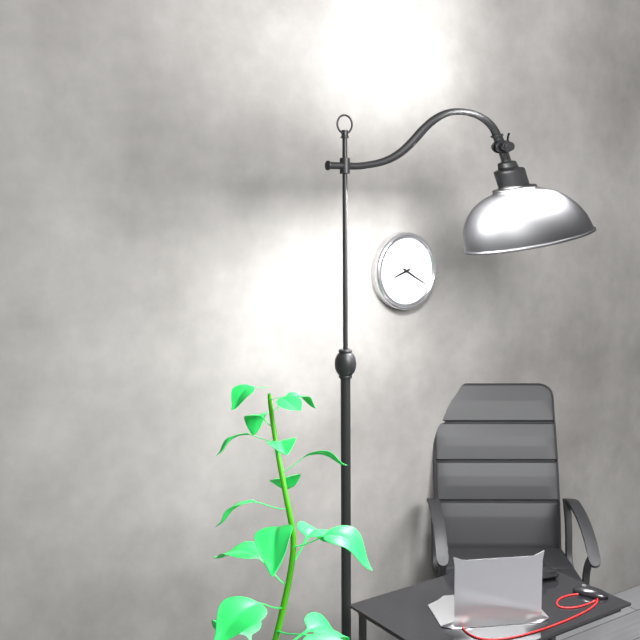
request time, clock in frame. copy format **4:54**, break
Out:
**8:20**
